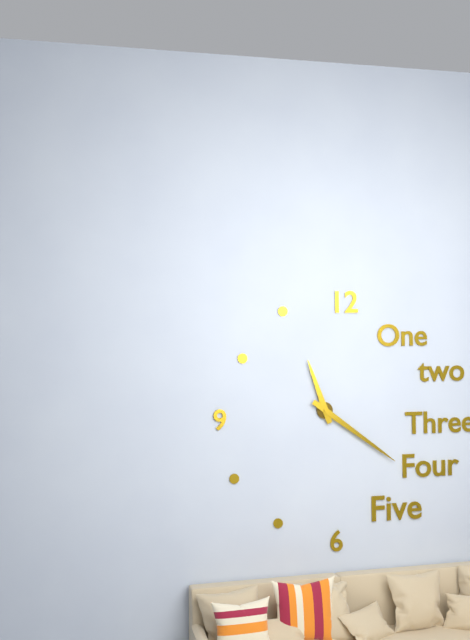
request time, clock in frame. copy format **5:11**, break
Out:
**11:21**
